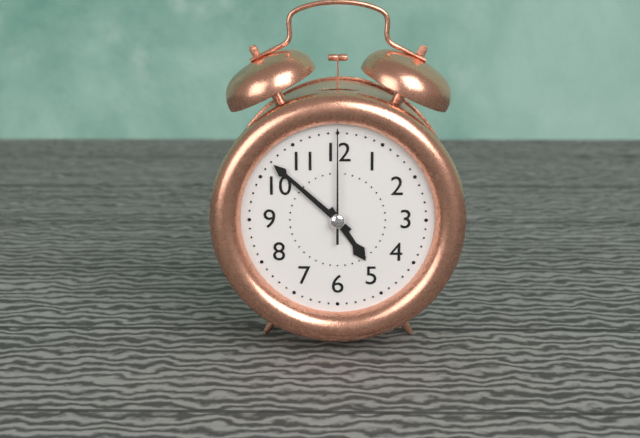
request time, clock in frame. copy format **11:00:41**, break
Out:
**4:52:00**
